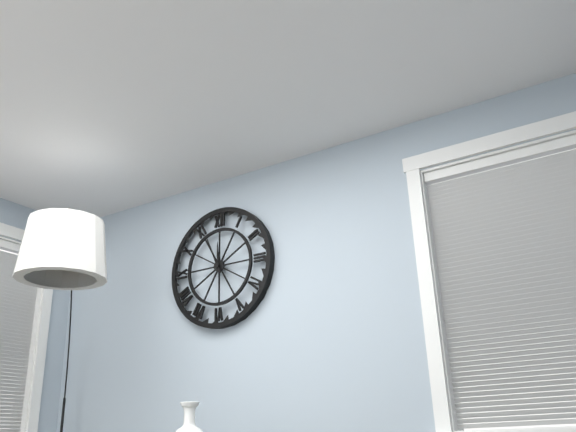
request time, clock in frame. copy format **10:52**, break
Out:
**11:56**
